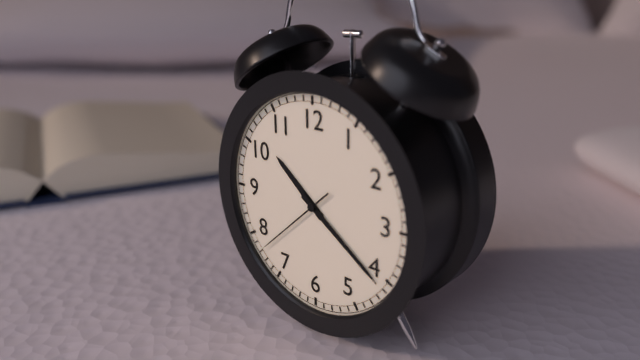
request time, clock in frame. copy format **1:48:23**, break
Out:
**10:21:38**
